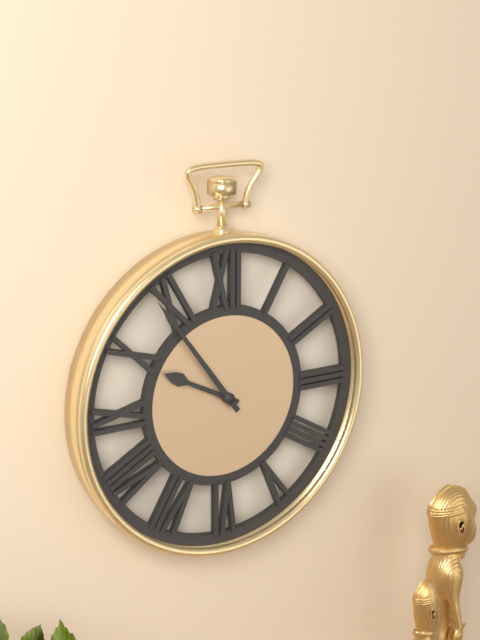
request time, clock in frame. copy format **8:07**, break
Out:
**9:54**
